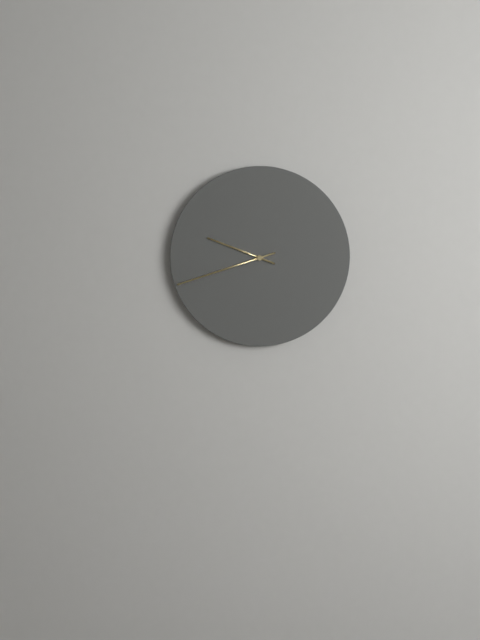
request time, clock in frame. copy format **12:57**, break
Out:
**9:42**
